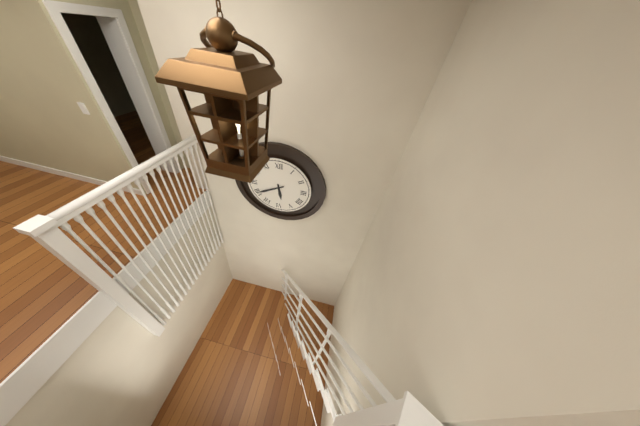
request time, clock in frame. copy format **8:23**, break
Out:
**5:40**
